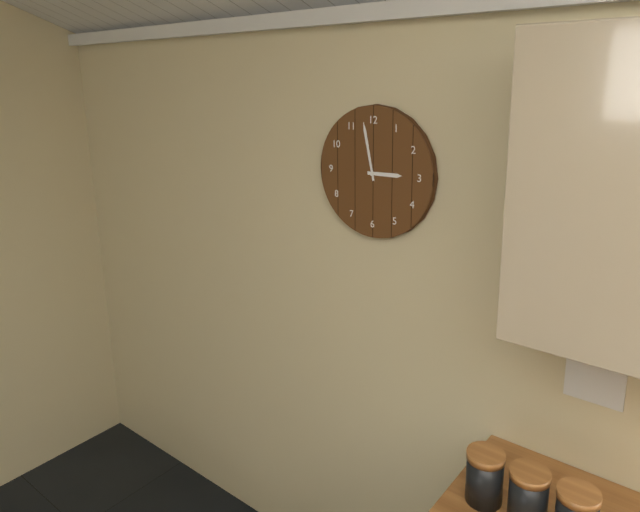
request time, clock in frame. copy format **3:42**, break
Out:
**2:58**
